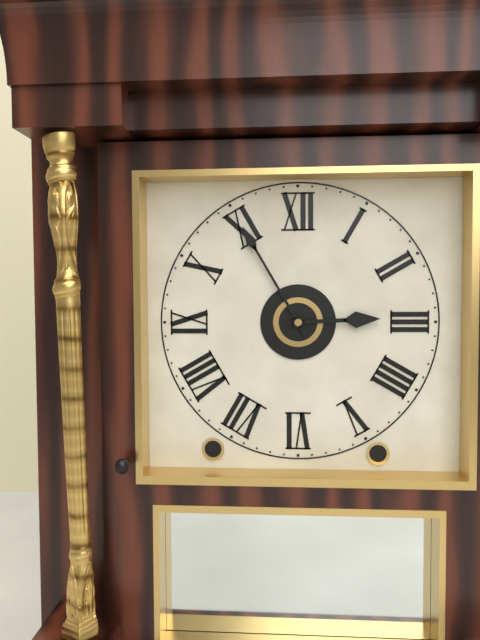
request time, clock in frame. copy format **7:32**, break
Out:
**2:55**
